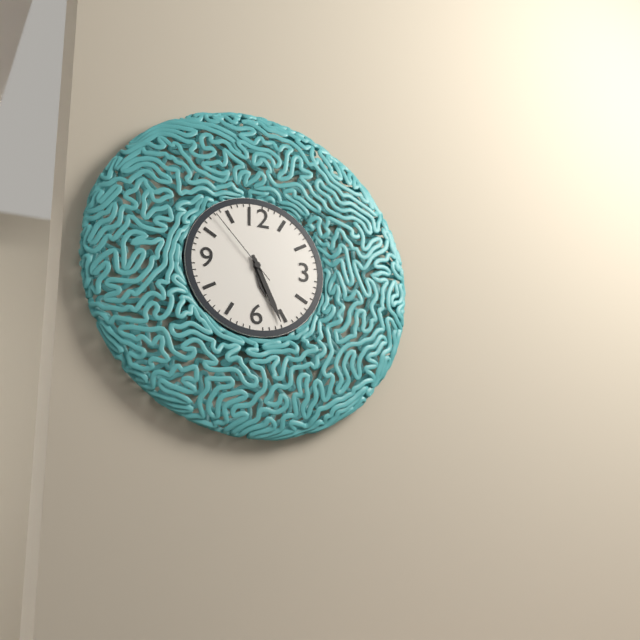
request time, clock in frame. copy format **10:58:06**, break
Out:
**5:26:53**
